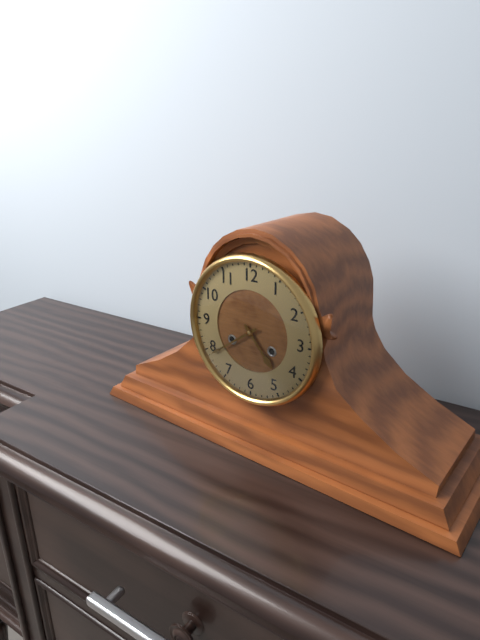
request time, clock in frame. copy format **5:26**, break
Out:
**4:39**
